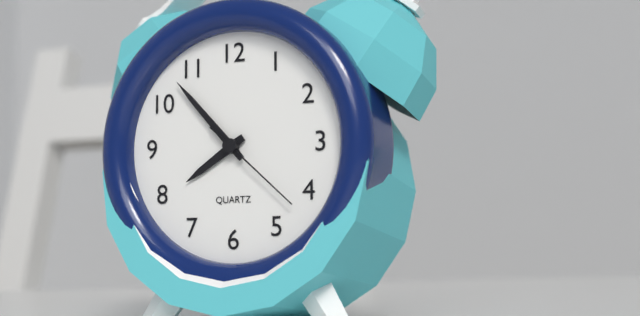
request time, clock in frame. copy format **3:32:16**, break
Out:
**7:53:22**
